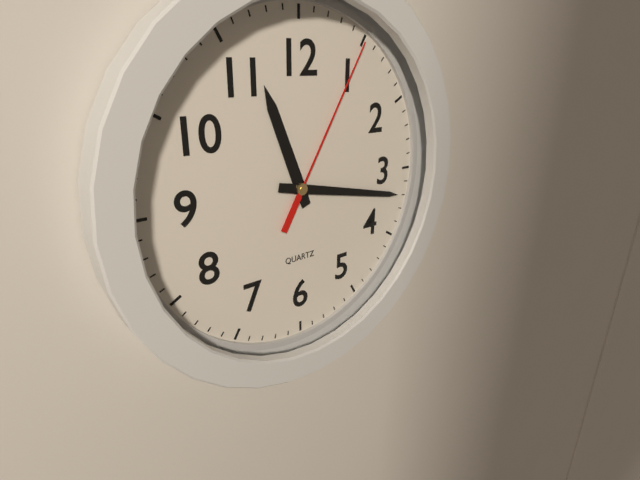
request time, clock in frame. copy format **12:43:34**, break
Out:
**11:17:05**
